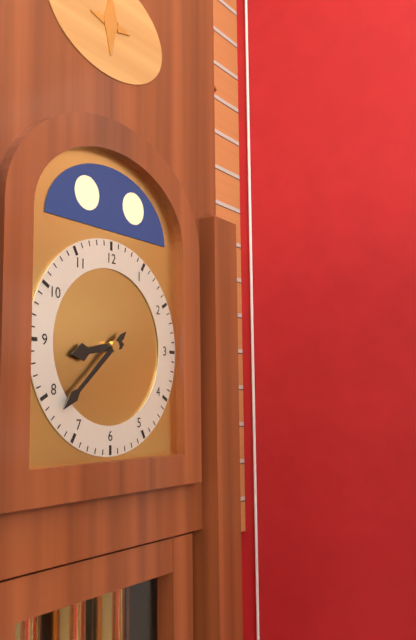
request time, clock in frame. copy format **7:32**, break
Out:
**8:38**
